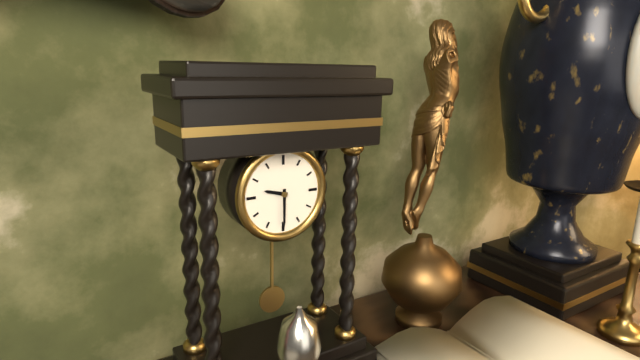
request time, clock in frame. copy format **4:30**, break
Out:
**9:30**
